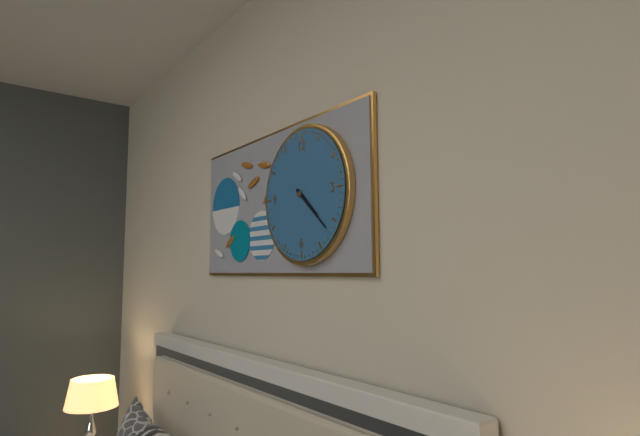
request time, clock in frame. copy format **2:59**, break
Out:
**4:22**
